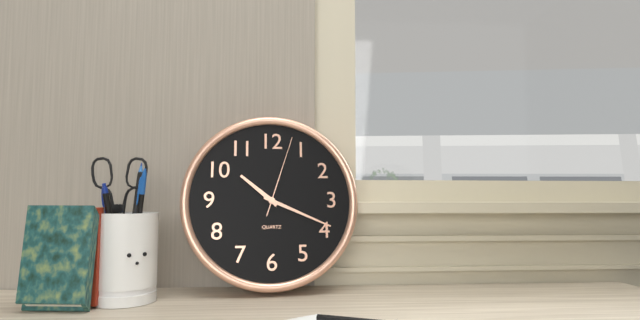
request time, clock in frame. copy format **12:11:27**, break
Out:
**10:19:03**
